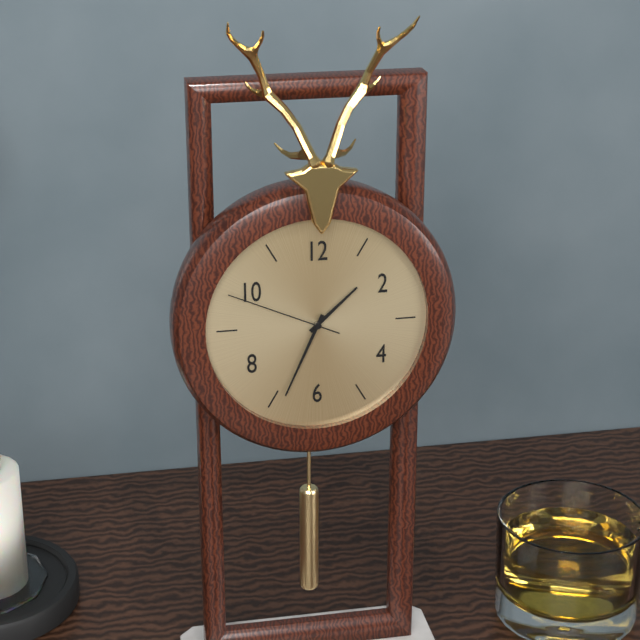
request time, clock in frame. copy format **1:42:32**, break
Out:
**1:34:49**
